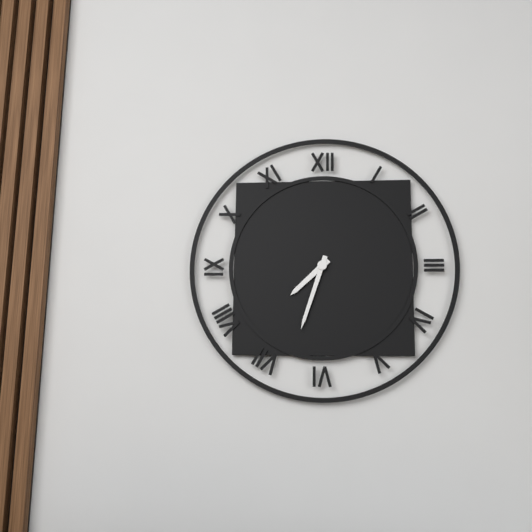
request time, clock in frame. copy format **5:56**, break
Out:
**7:33**
